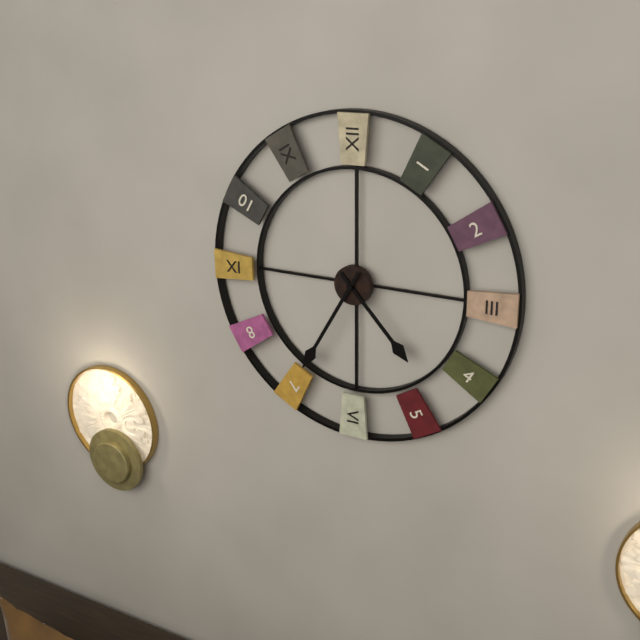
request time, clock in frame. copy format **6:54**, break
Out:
**4:35**
